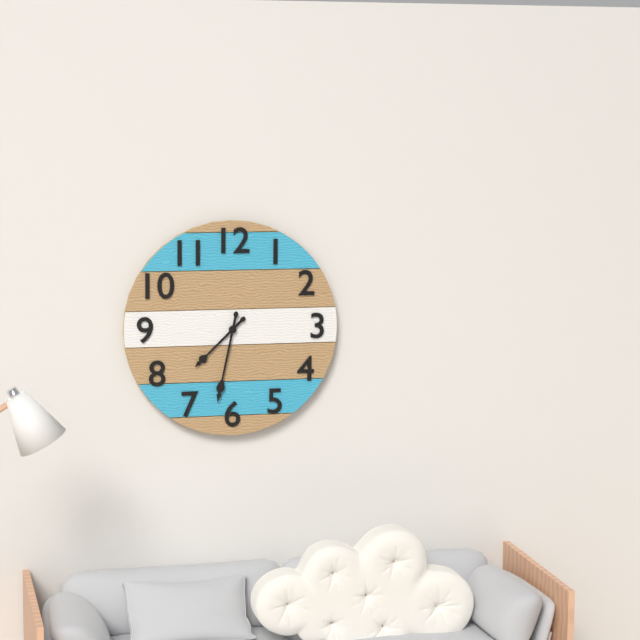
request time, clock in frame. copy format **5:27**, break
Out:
**7:32**
